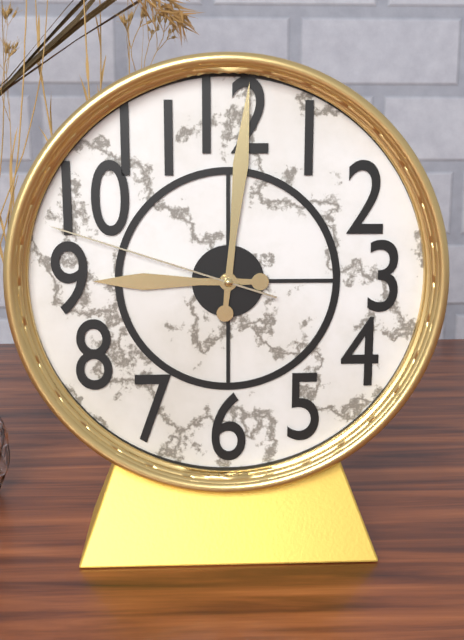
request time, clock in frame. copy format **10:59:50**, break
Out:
**9:01:48**
